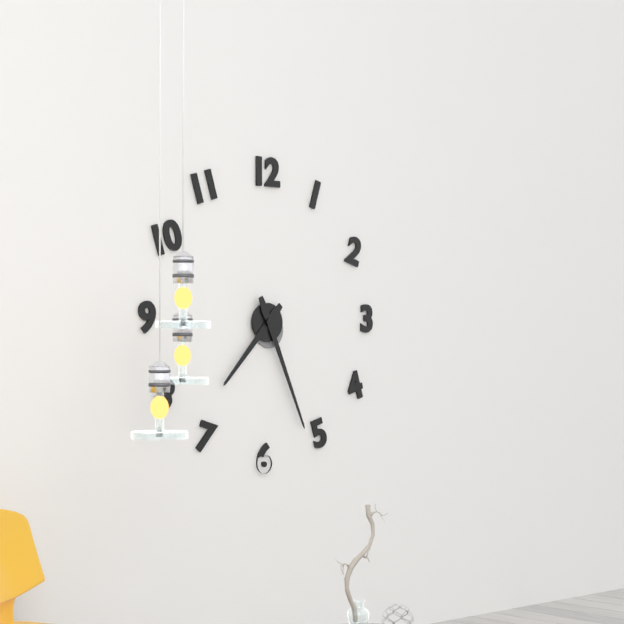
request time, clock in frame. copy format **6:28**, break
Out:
**7:26**
